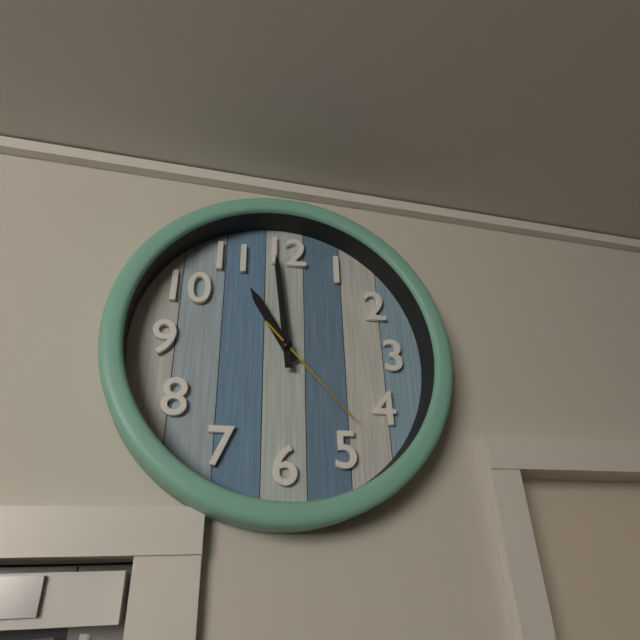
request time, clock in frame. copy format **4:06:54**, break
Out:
**10:59:23**
